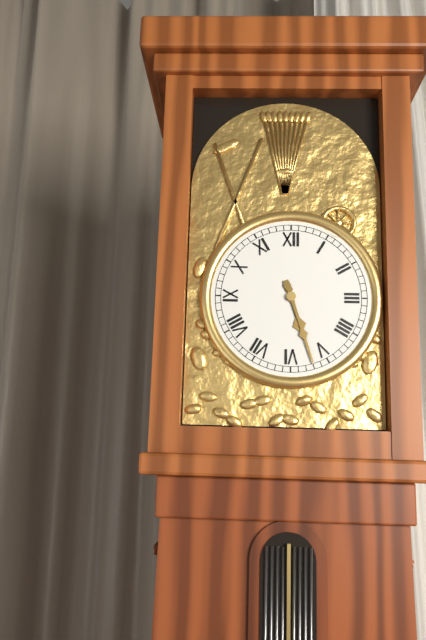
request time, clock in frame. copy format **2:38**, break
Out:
**5:27**
